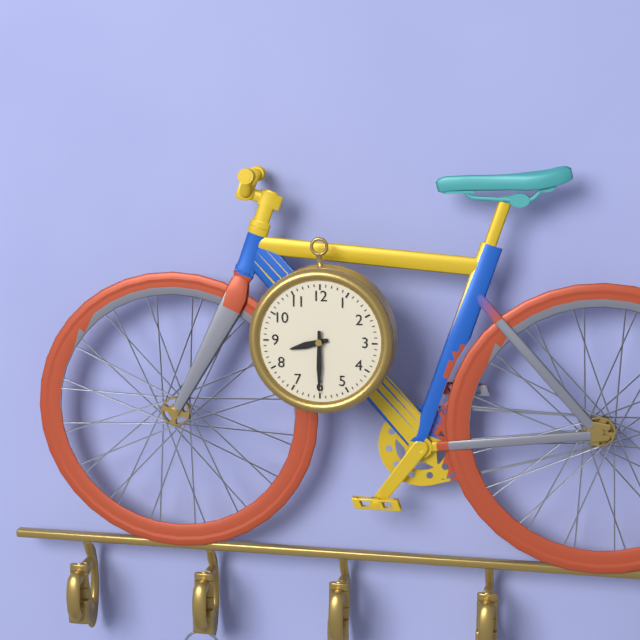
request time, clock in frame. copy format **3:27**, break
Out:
**8:30**
